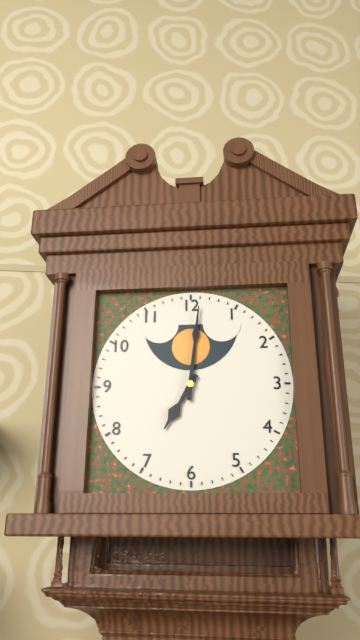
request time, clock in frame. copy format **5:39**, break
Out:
**7:01**
